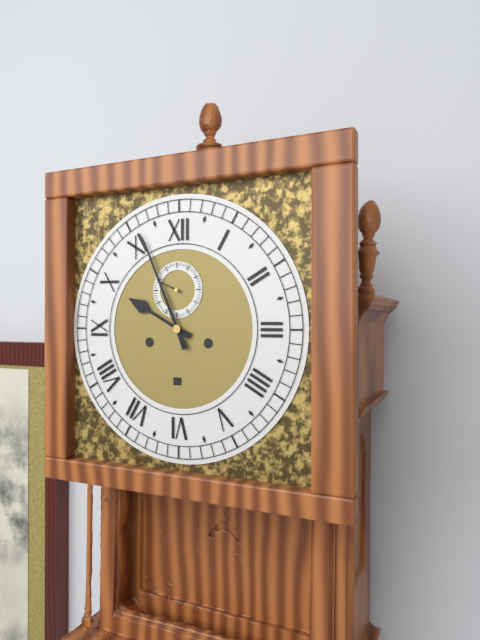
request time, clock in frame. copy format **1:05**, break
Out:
**9:56**
